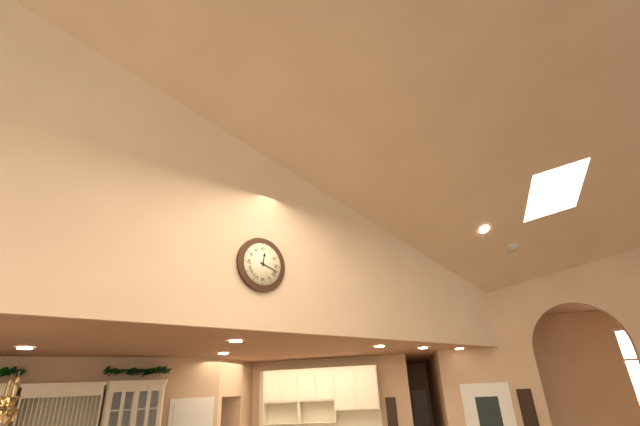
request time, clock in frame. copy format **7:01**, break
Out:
**12:18**
